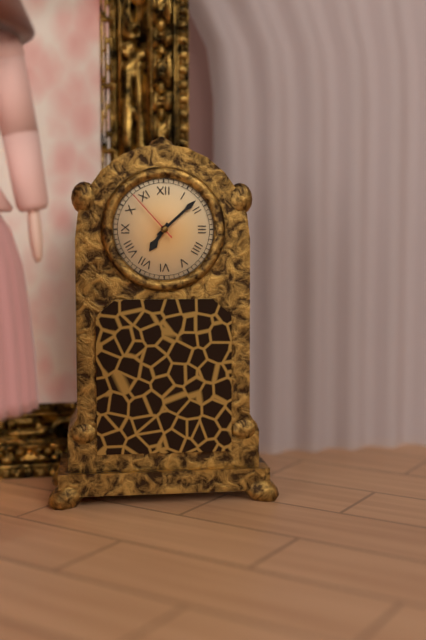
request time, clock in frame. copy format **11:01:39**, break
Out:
**7:08:53**
